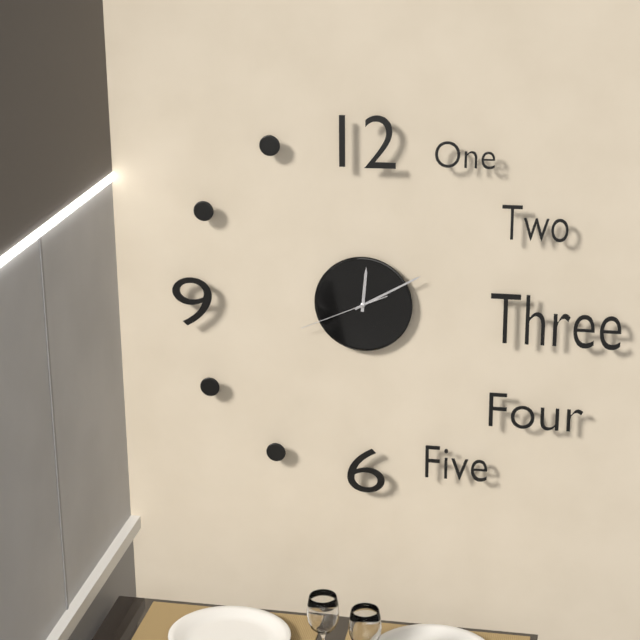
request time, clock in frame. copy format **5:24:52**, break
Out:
**12:10:41**
